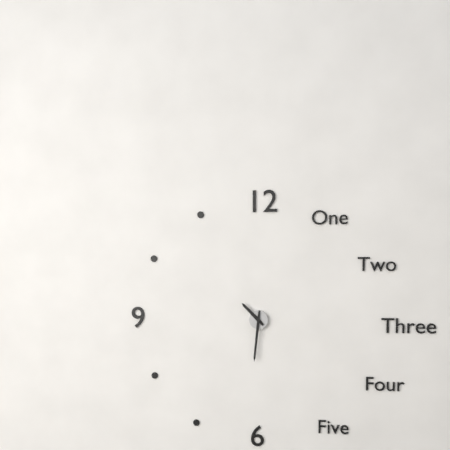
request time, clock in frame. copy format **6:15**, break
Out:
**10:31**
